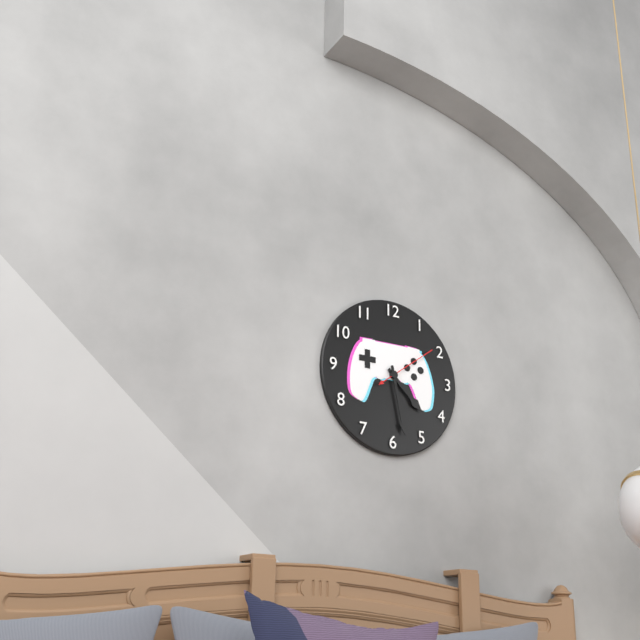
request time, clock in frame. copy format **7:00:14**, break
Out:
**4:28:09**
